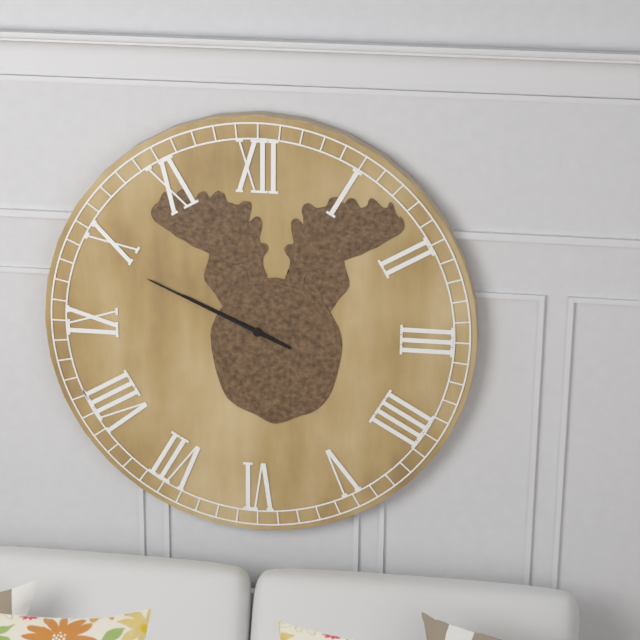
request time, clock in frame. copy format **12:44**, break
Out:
**9:49**
